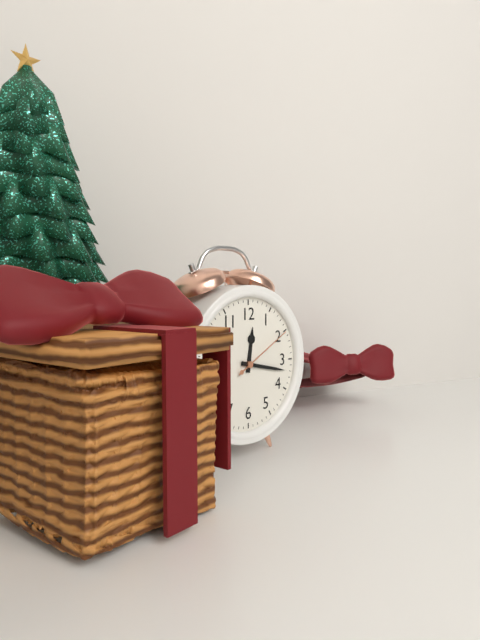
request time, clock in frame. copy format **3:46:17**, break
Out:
**12:17:10**
